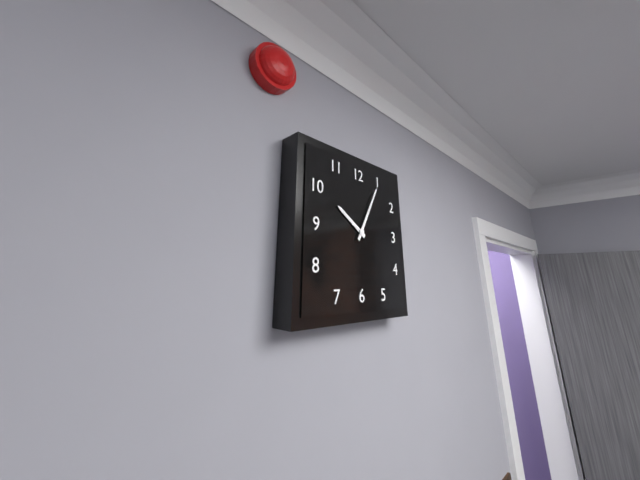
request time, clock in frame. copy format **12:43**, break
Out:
**10:05**
